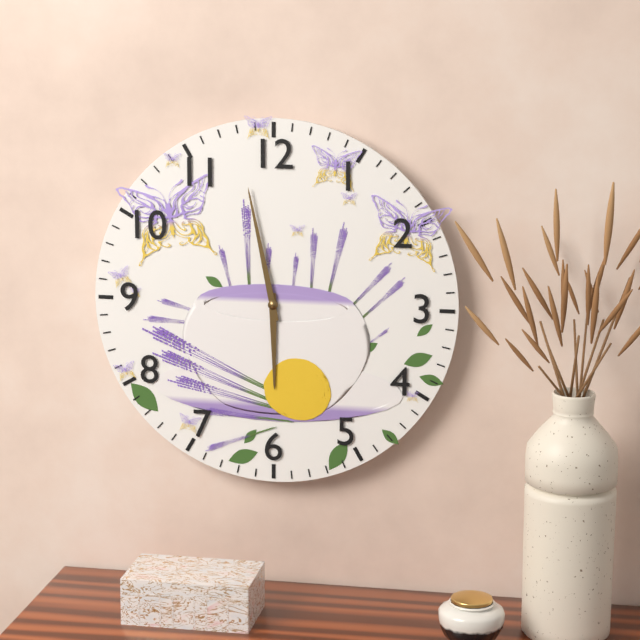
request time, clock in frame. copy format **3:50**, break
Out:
**5:58**
